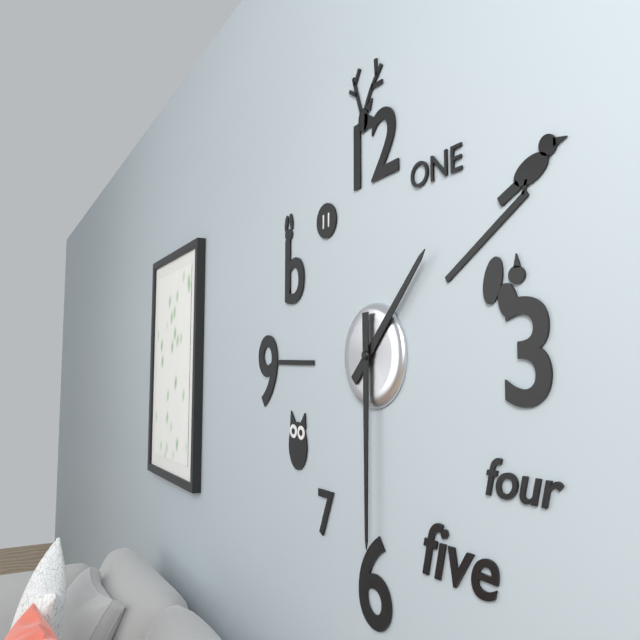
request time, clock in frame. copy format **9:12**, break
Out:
**1:30**
